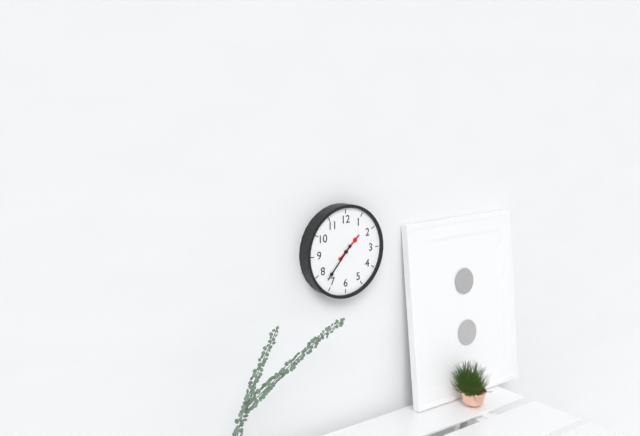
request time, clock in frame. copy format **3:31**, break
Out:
**1:37**
